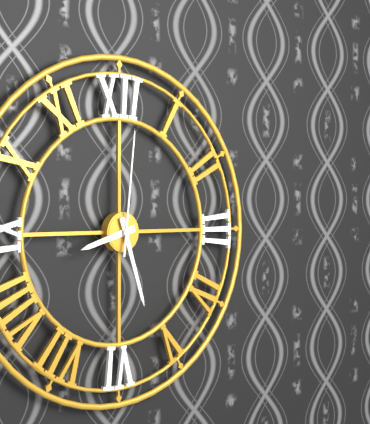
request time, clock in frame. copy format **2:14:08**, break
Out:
**8:27:01**
